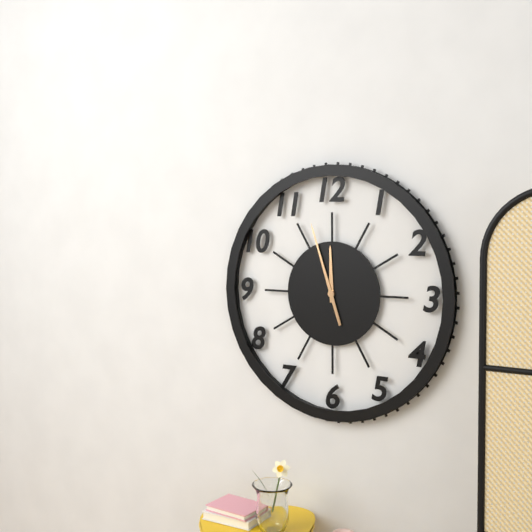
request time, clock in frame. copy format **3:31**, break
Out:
**11:57**
